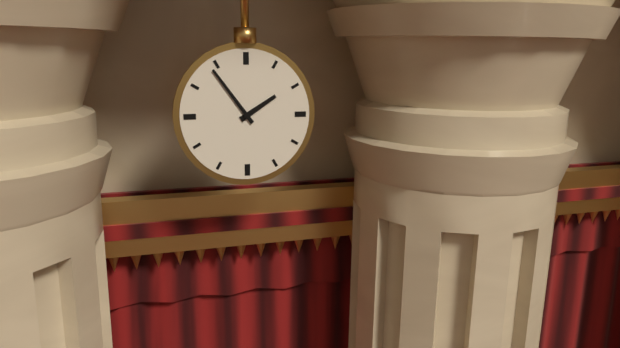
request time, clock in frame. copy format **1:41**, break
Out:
**1:54**
